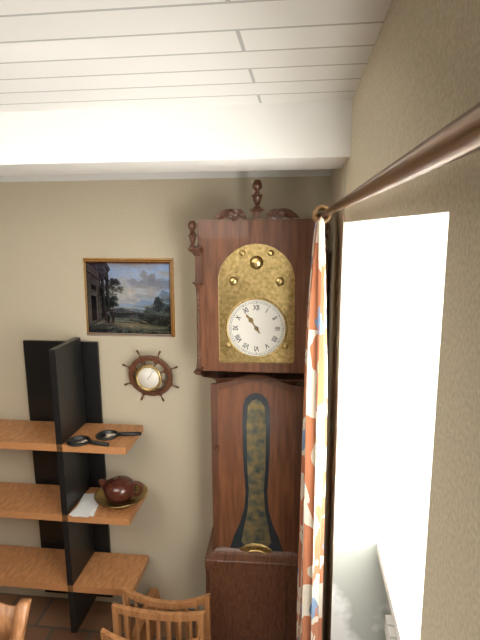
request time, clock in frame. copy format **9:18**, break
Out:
**10:54**
